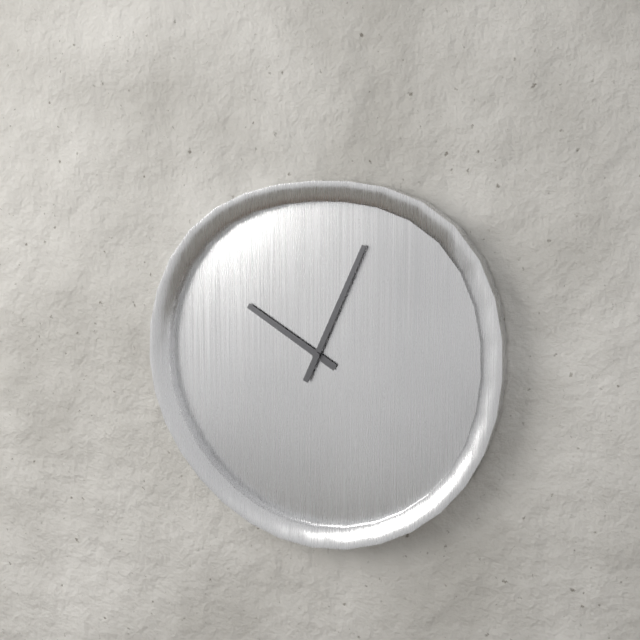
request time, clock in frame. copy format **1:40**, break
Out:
**10:04**
